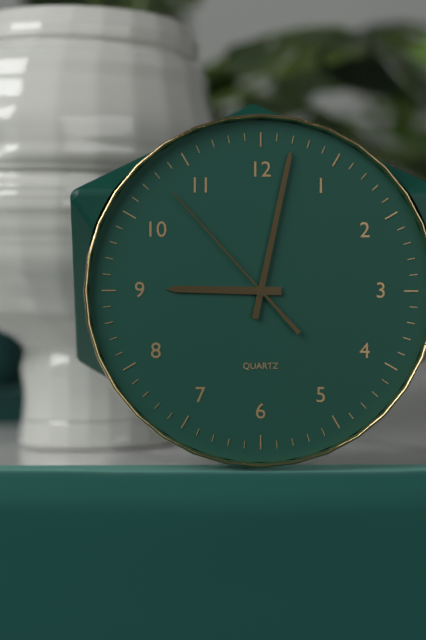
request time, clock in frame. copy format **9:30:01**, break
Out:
**9:02:53**
